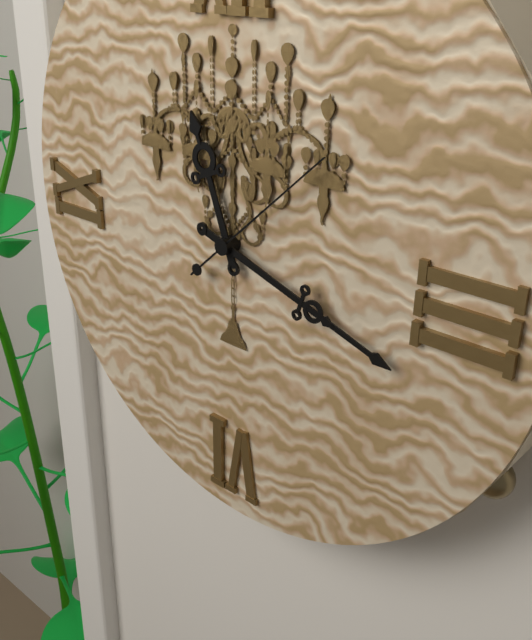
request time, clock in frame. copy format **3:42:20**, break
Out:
**11:18:08**
